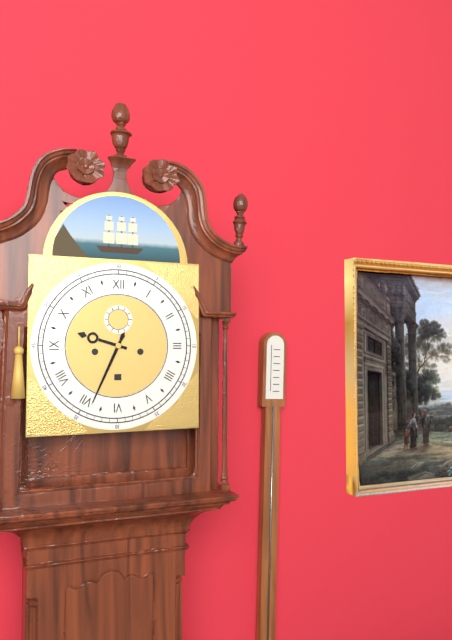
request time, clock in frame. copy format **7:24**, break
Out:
**9:34**
